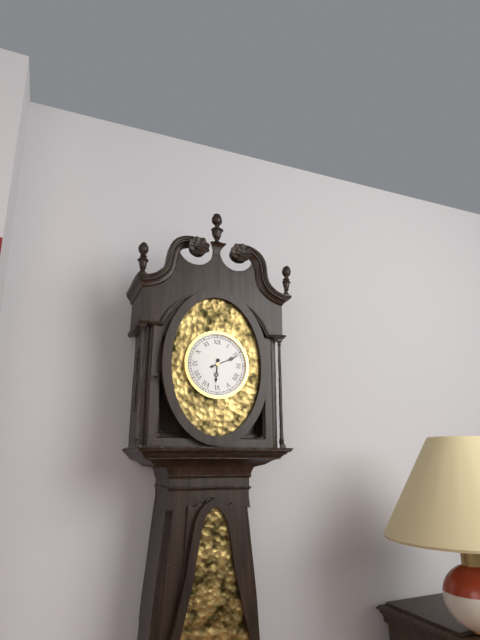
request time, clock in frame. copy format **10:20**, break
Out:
**6:11**
